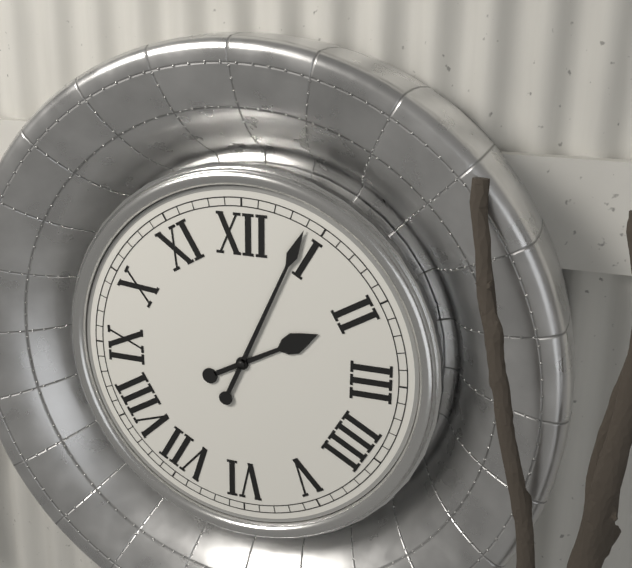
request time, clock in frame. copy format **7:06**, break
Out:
**2:04**
